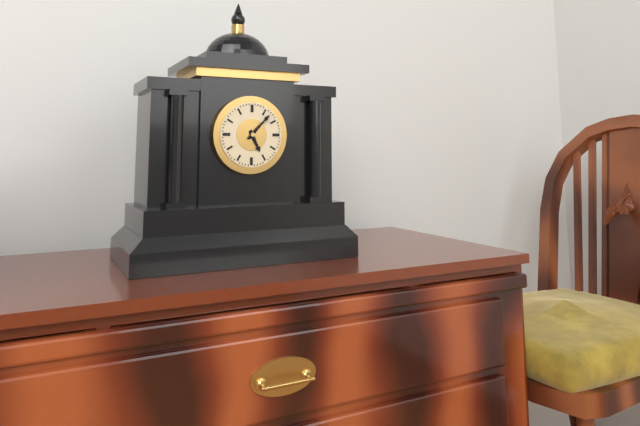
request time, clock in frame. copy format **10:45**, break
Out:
**5:07**
